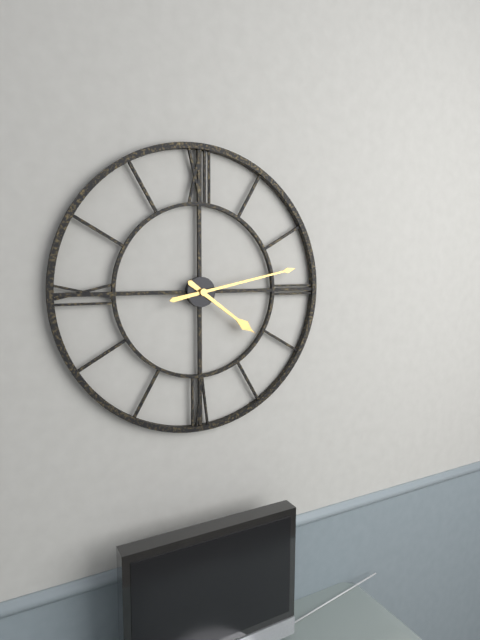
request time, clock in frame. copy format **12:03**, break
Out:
**4:13**
